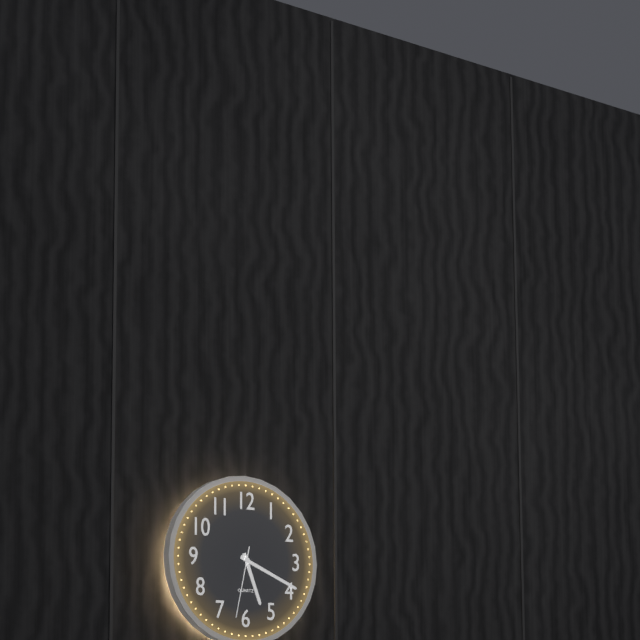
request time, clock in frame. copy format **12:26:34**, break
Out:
**5:19:32**
